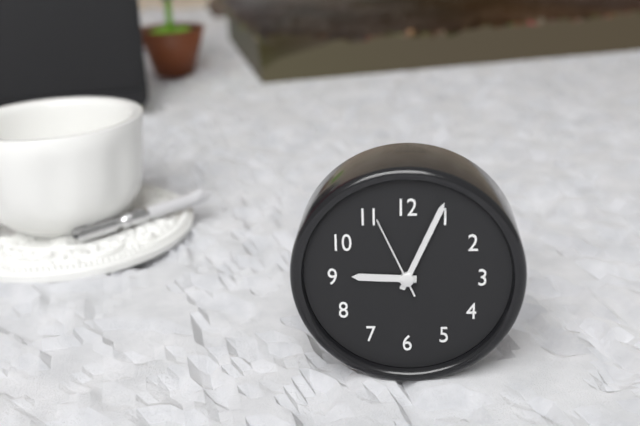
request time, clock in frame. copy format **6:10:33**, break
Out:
**9:04:56**
